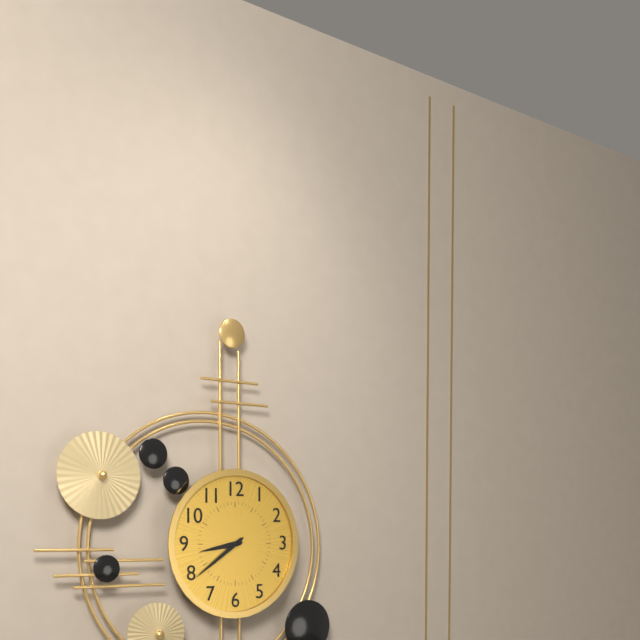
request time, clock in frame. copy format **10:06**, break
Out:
**8:39**
